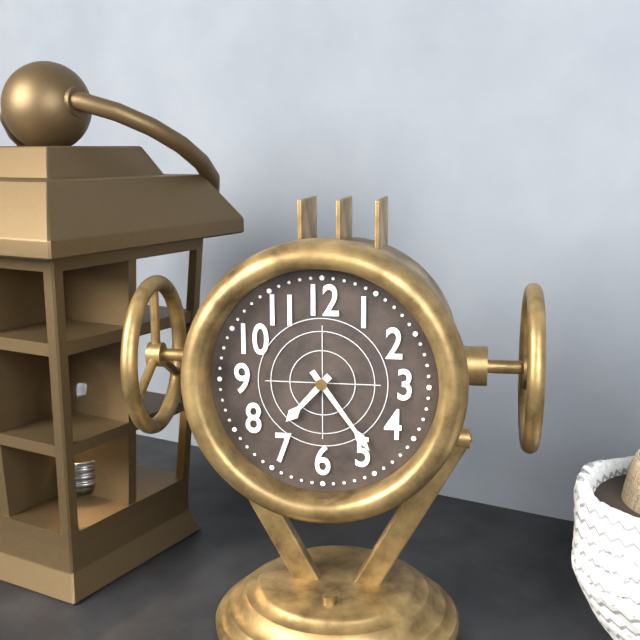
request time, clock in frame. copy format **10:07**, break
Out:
**7:24**
